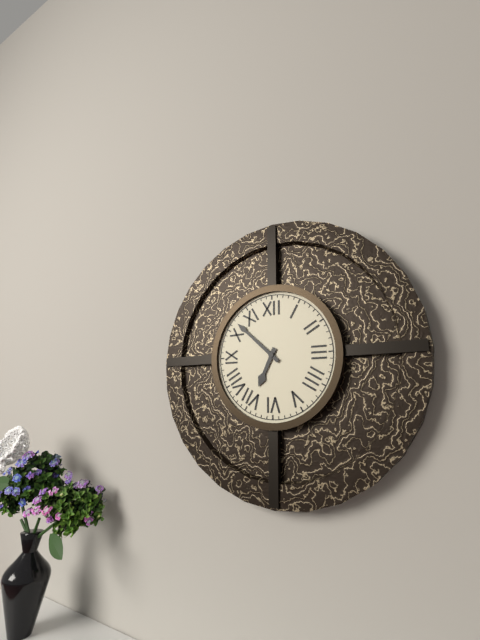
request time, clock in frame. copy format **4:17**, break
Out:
**6:52**
